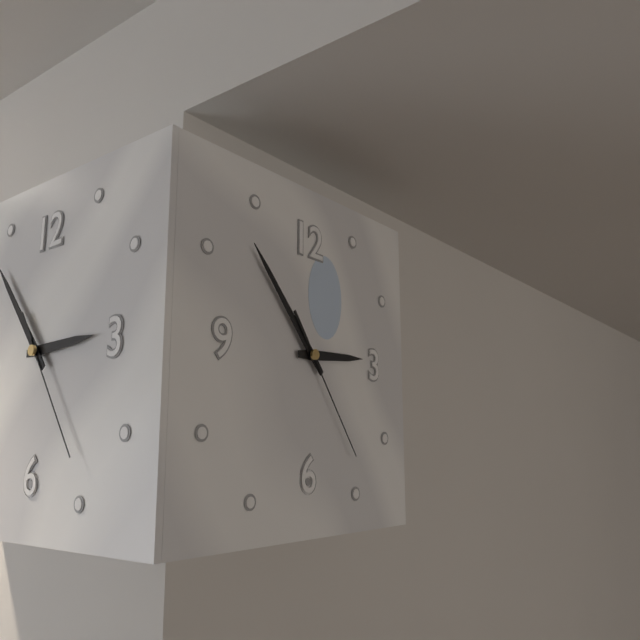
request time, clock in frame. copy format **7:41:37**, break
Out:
**2:53:24**
